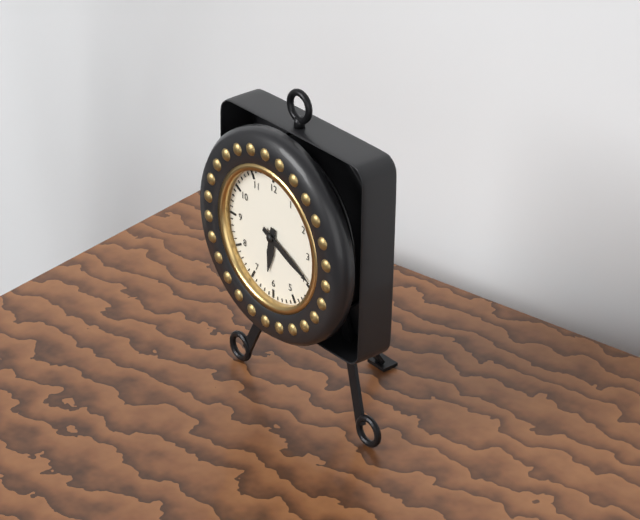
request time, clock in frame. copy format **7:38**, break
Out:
**6:19**
